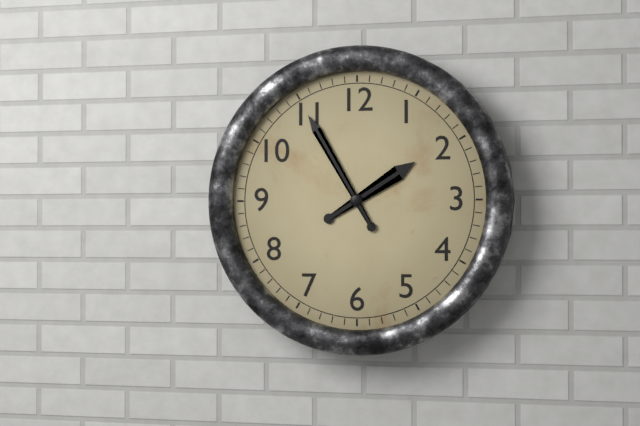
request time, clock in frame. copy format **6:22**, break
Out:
**1:55**
